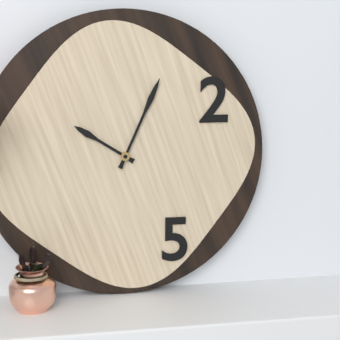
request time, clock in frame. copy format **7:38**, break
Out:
**10:04**
